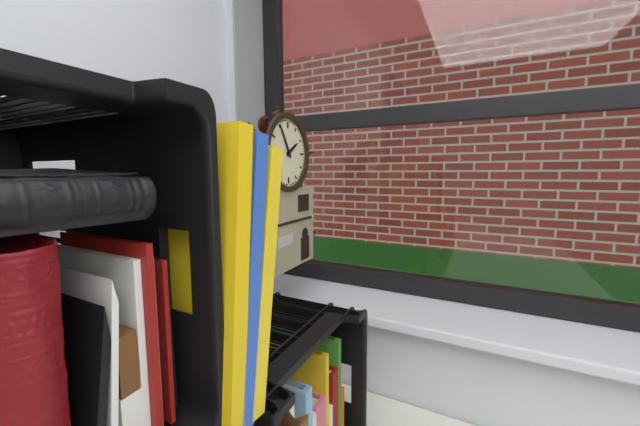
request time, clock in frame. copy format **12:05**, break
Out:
**1:55**
